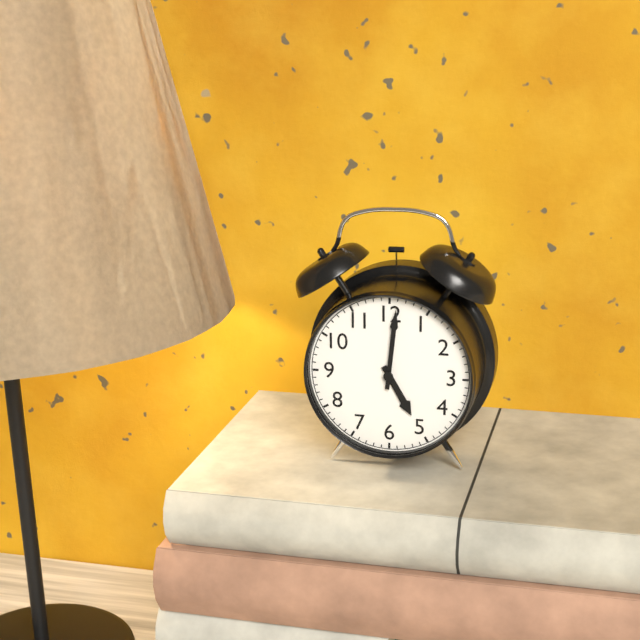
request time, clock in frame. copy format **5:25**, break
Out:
**5:01**
